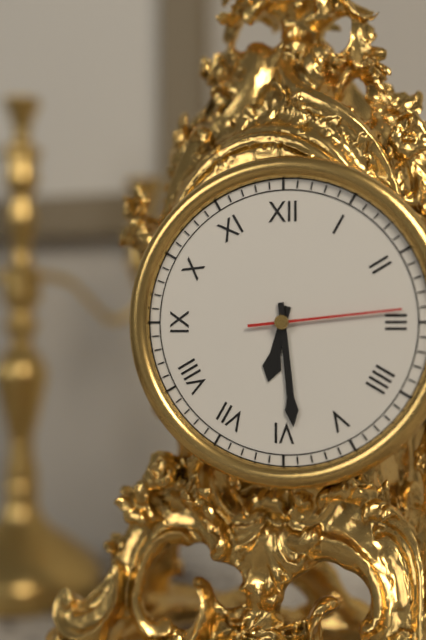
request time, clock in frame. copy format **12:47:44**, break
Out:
**6:29:14**
